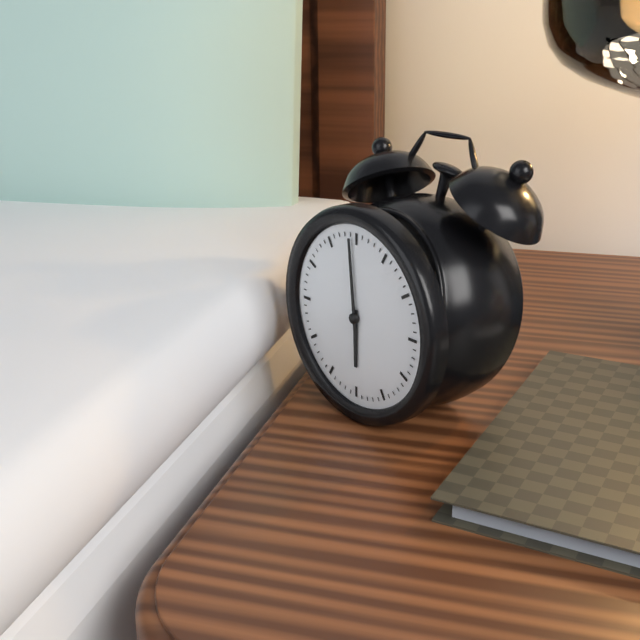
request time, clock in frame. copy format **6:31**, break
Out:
**5:59**
